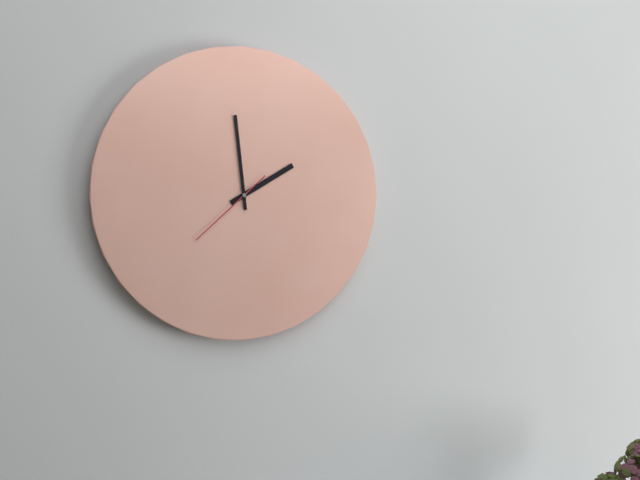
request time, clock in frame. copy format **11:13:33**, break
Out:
**1:59:38**
